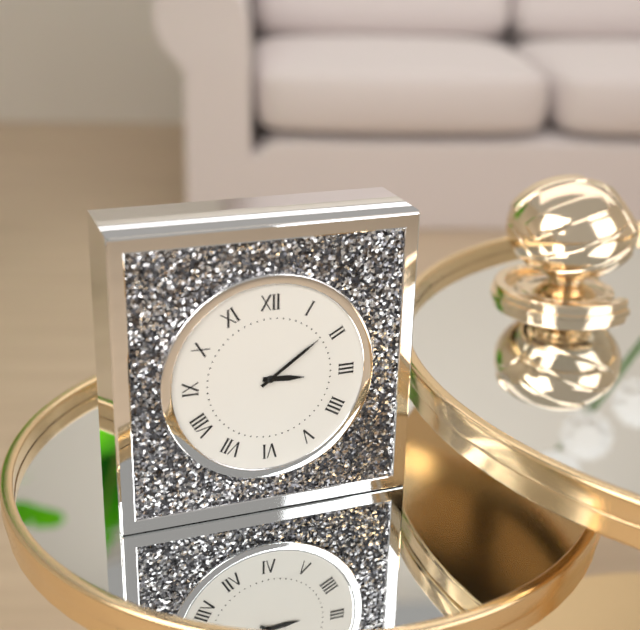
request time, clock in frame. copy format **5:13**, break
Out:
**3:09**
